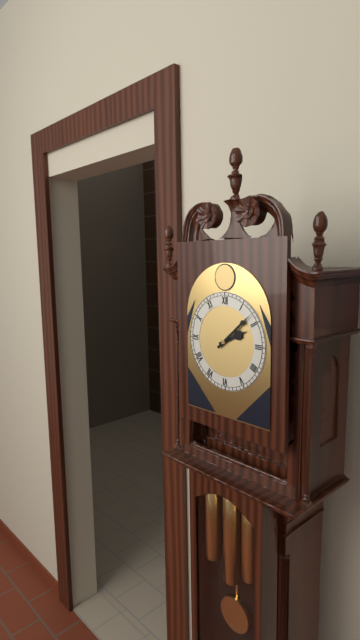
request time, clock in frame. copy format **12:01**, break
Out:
**2:08**
